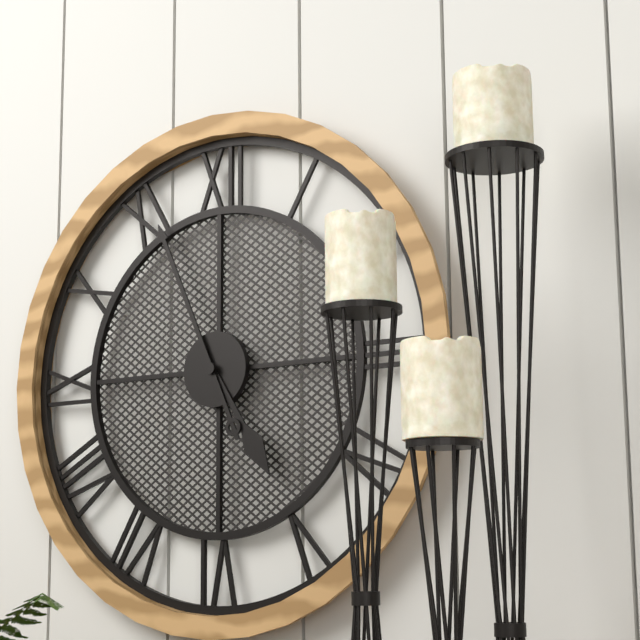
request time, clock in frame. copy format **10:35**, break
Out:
**4:56**
